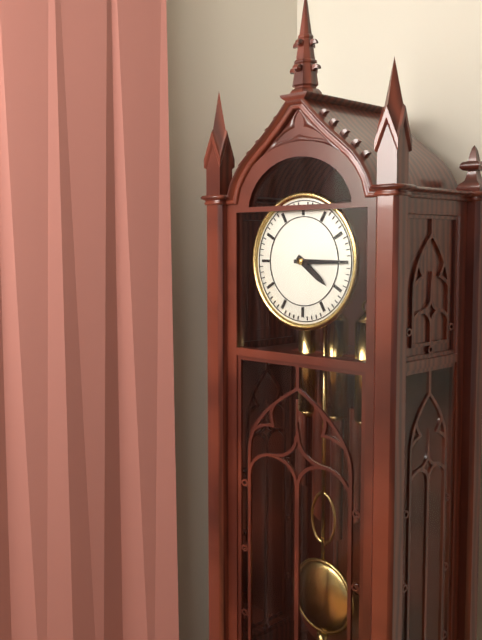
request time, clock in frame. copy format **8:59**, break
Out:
**4:15**
